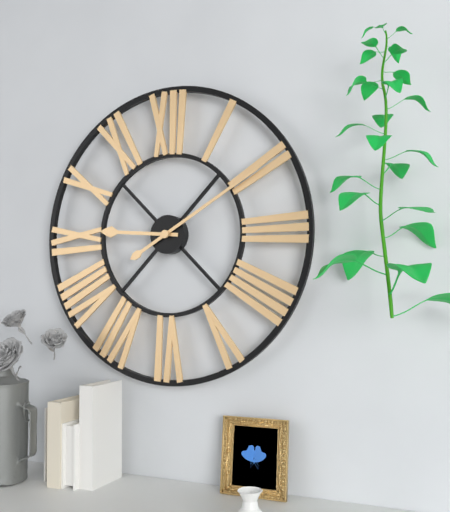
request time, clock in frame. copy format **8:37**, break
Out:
**9:10**
